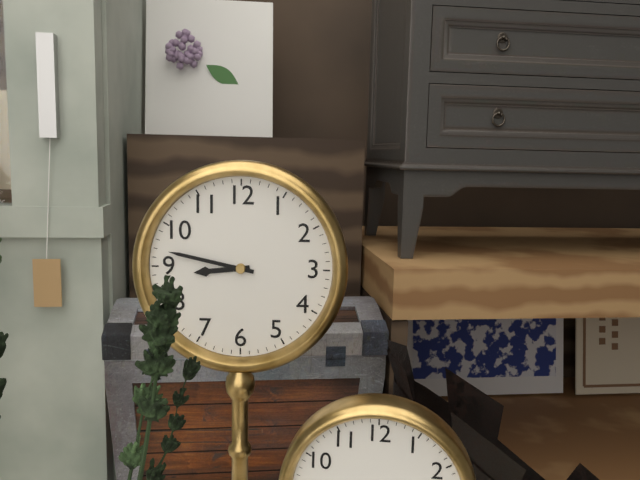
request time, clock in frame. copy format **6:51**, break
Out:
**8:47**
